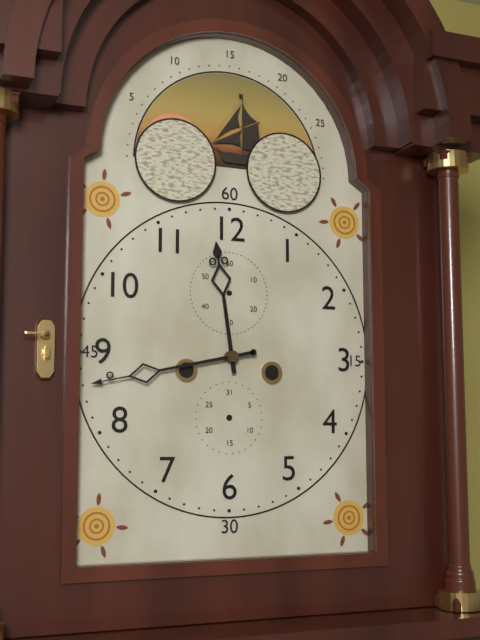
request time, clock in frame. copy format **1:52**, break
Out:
**11:43**
